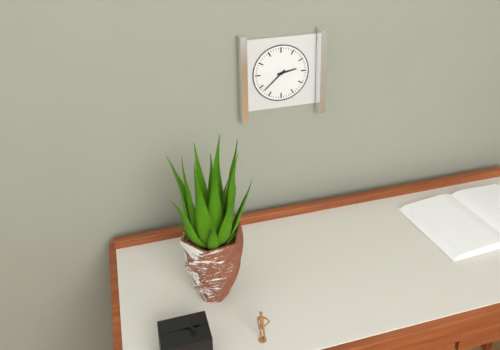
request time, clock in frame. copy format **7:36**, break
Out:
**2:38**
